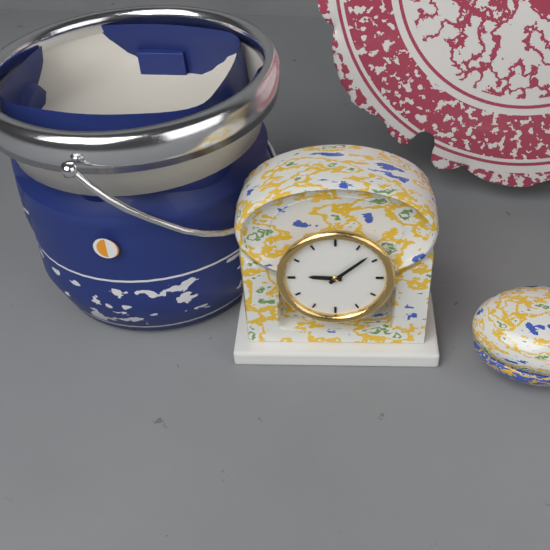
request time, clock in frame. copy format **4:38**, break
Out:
**9:08**
